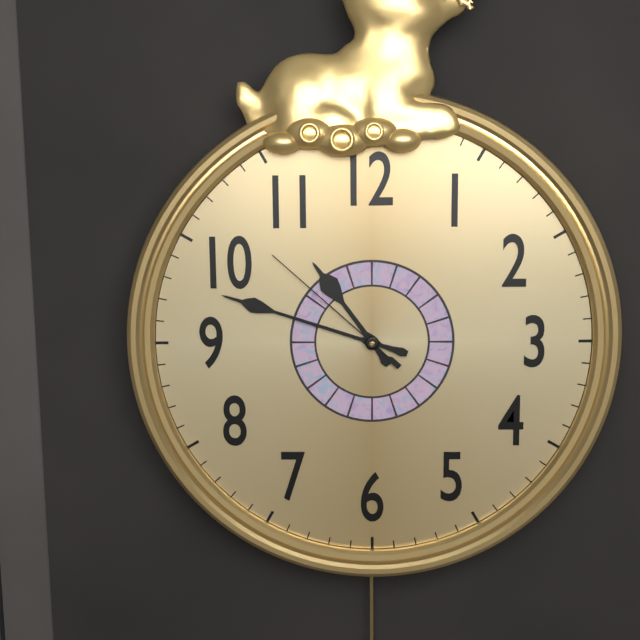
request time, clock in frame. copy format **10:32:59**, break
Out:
**10:48:52**
